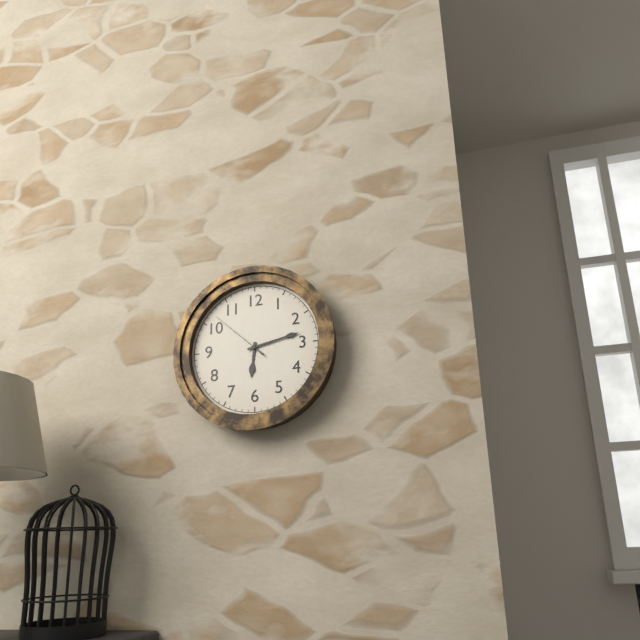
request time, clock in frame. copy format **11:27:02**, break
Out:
**6:13:52**
